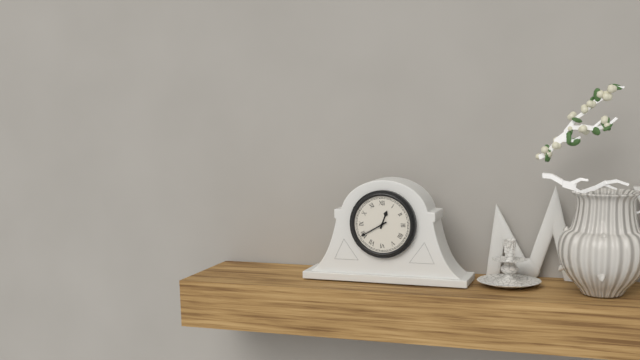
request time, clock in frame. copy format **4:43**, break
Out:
**12:40**
